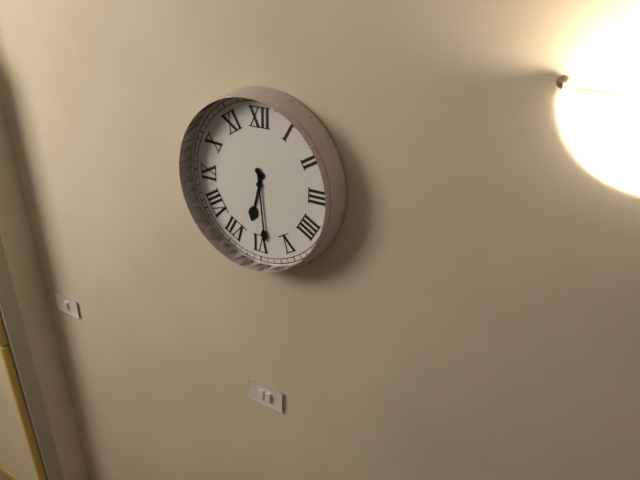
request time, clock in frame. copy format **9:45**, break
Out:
**6:29**
